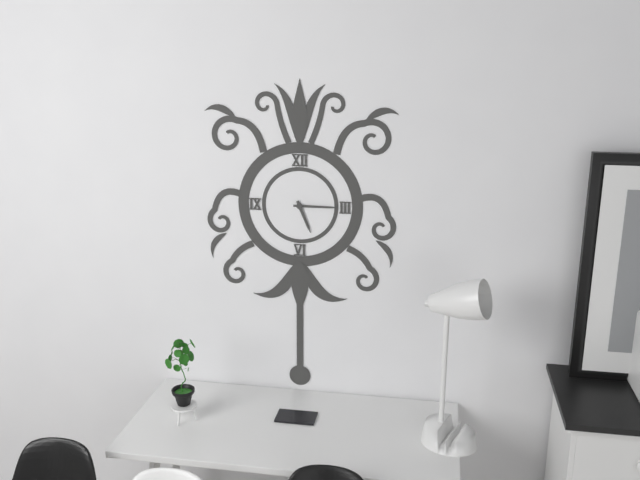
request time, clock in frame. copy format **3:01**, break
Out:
**5:15**
